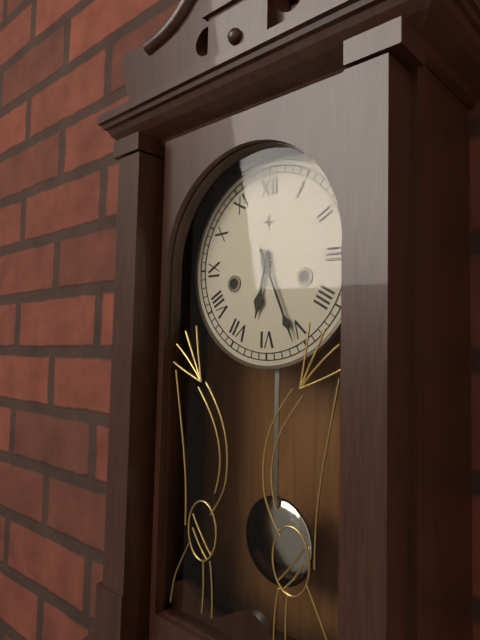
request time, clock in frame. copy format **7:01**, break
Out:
**6:26**
